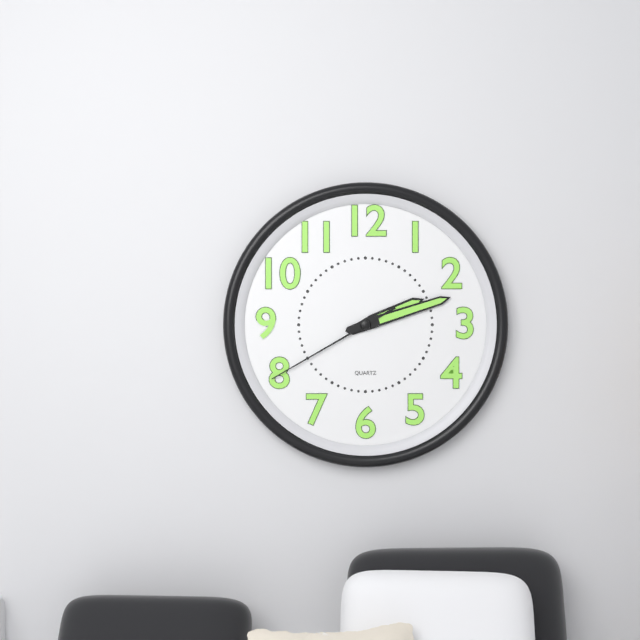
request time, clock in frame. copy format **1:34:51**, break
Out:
**2:12:40**
